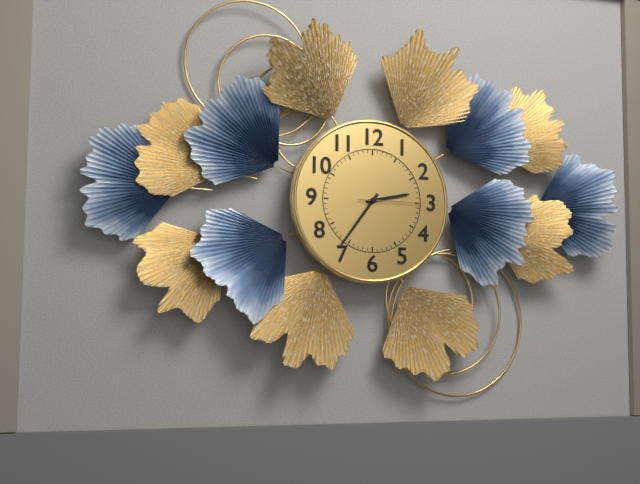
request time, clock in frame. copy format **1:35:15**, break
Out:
**2:36:15**
